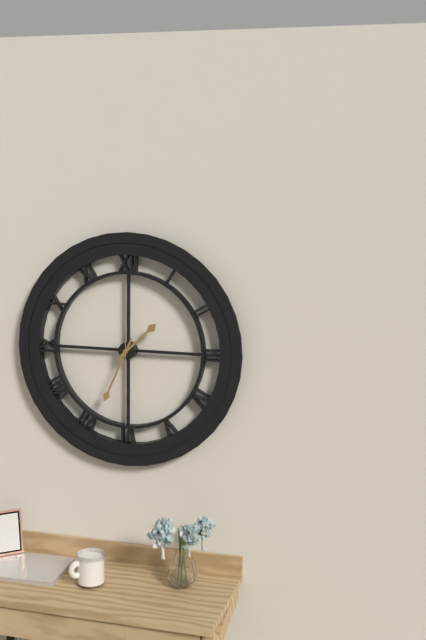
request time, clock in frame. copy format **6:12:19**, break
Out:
**1:34:30**
